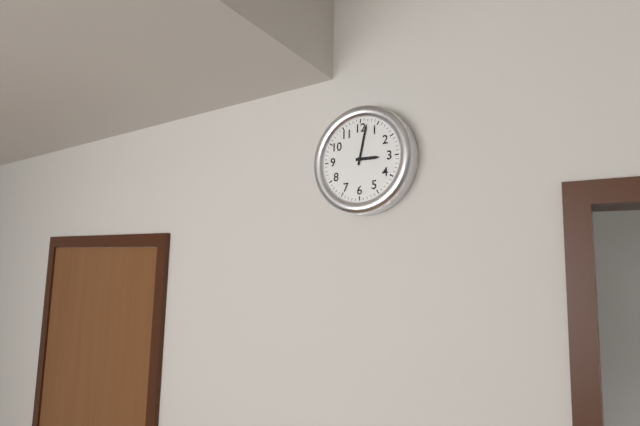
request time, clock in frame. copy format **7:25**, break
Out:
**3:02**
